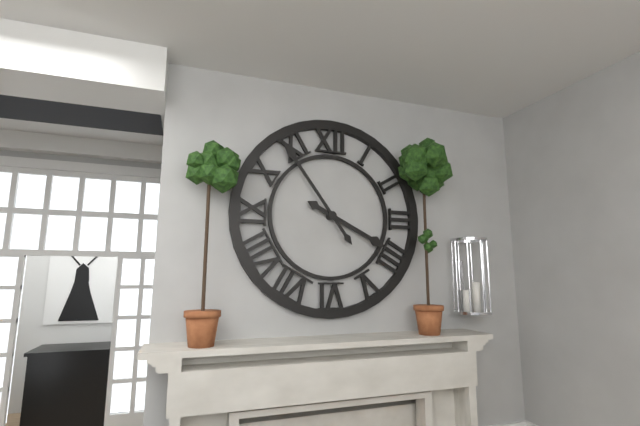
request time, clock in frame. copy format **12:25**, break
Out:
**3:54**
